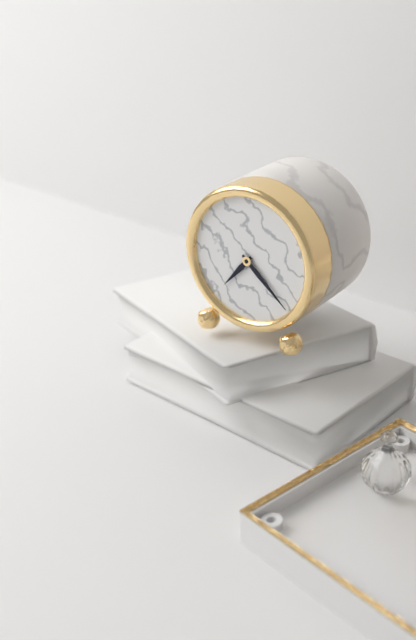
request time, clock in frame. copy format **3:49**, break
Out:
**7:22**
